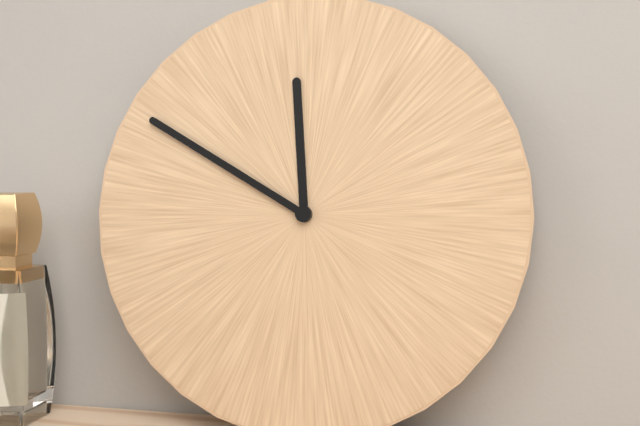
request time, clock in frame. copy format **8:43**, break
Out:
**11:50**
